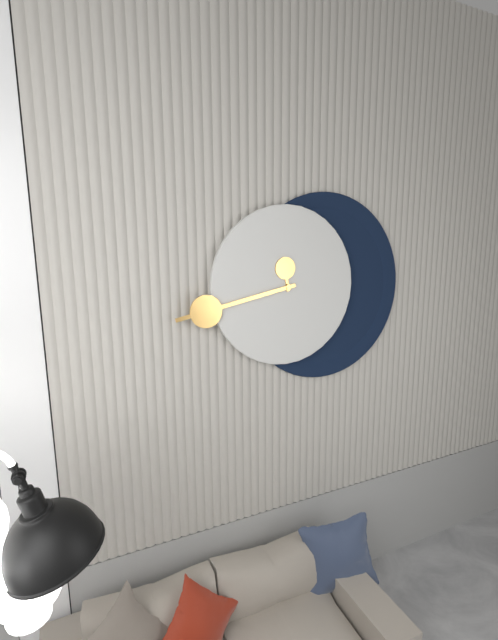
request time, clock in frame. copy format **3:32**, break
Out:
**11:43**
